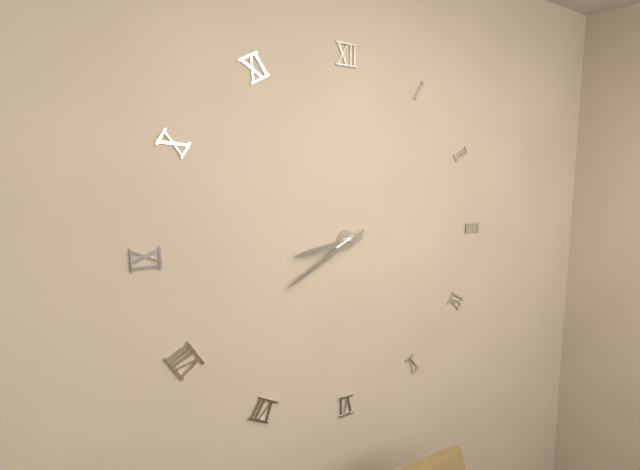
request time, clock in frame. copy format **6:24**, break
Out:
**8:40**
